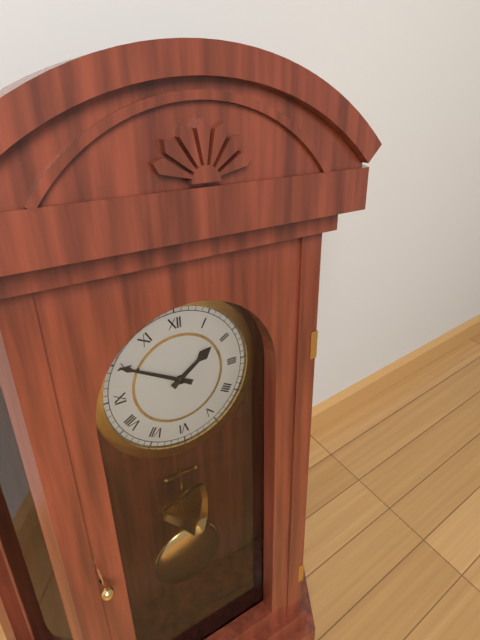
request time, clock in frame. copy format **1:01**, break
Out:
**1:50**
